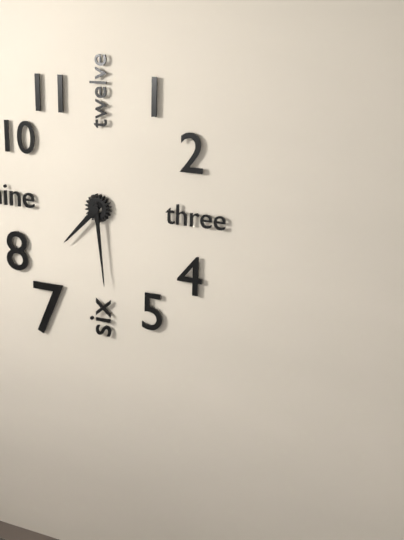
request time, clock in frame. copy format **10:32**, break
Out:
**7:29**
